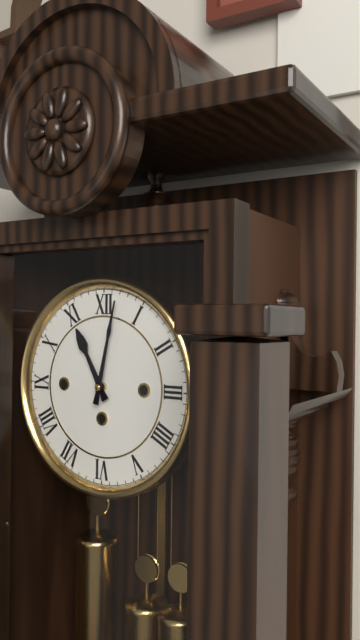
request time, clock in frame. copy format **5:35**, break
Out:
**11:02**
